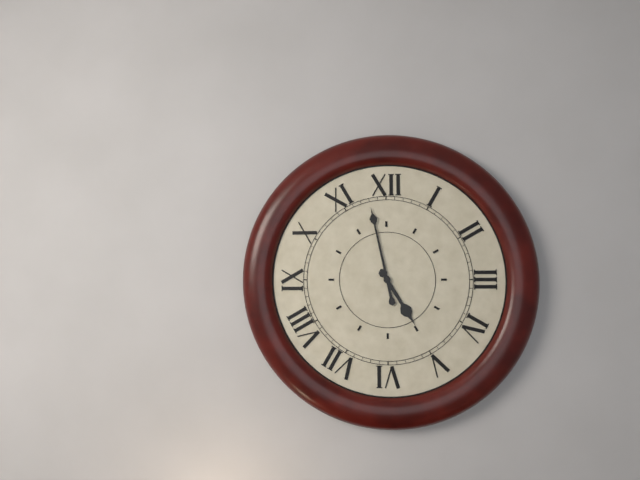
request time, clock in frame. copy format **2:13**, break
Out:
**4:58**
